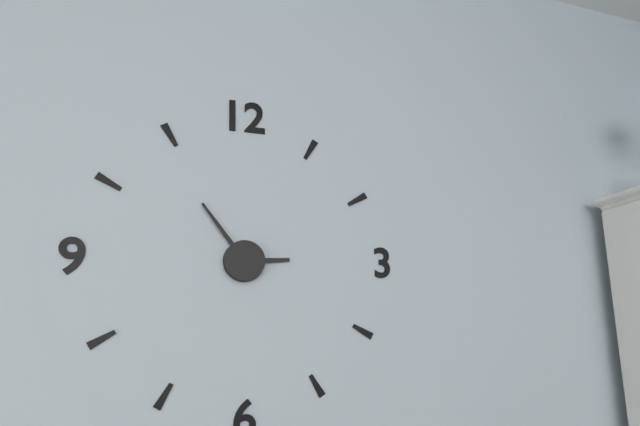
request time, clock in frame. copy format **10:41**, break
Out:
**2:54**
